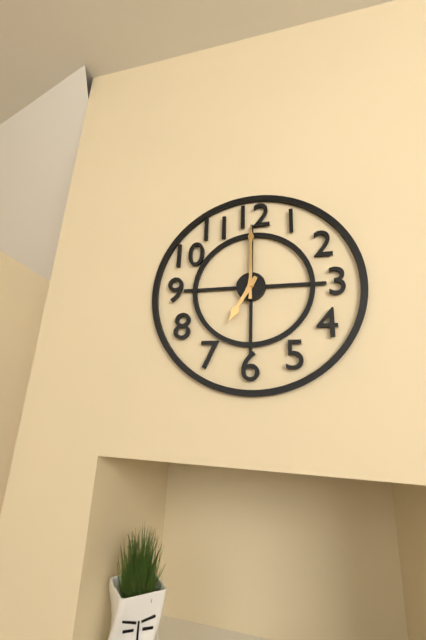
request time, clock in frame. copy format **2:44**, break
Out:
**7:00**
